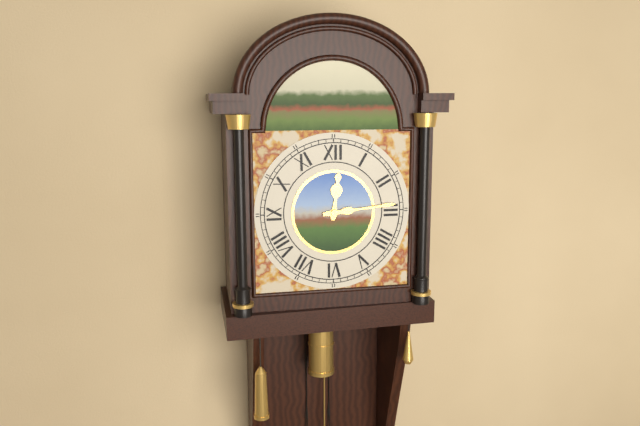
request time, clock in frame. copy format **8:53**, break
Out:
**12:14**
